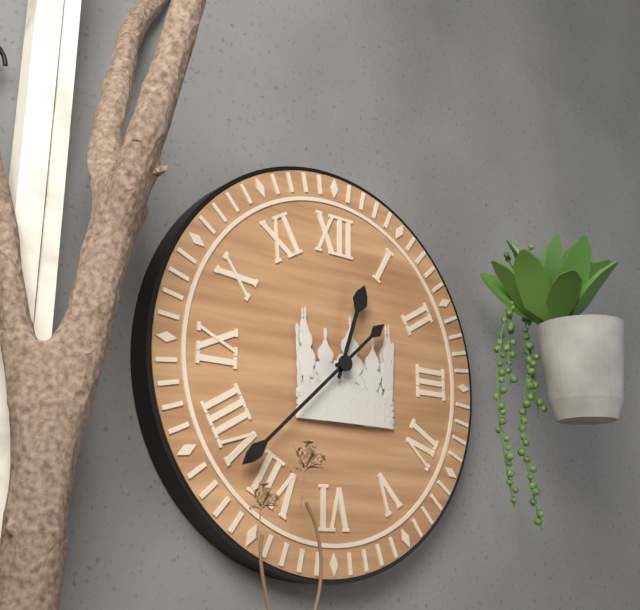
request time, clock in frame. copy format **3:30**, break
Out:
**12:38**
